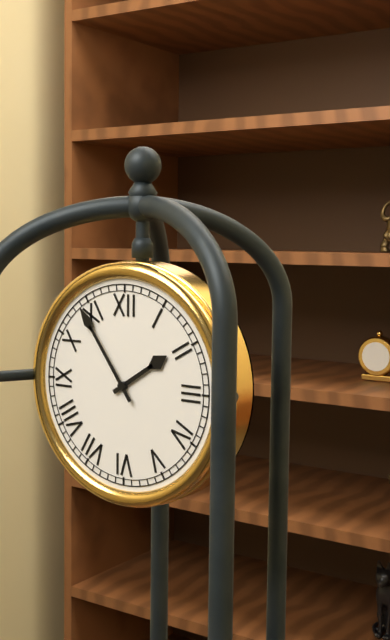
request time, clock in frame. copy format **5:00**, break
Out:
**1:54**
